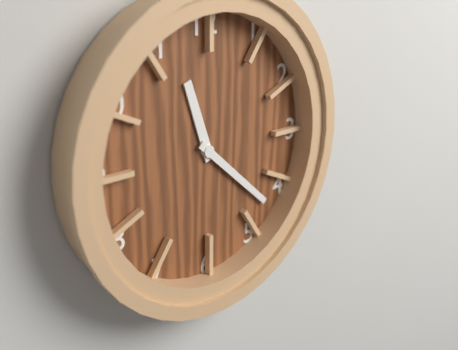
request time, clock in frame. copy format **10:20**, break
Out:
**11:22**
